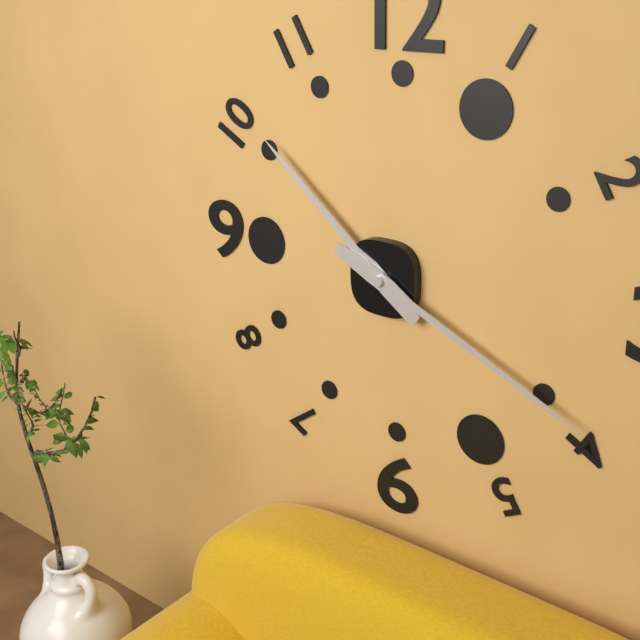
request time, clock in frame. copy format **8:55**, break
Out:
**10:19**
